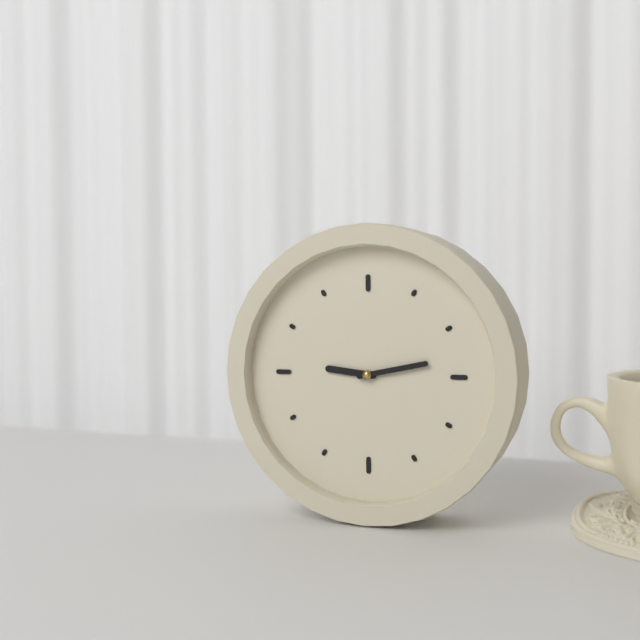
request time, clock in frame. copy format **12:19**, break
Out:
**9:13**
